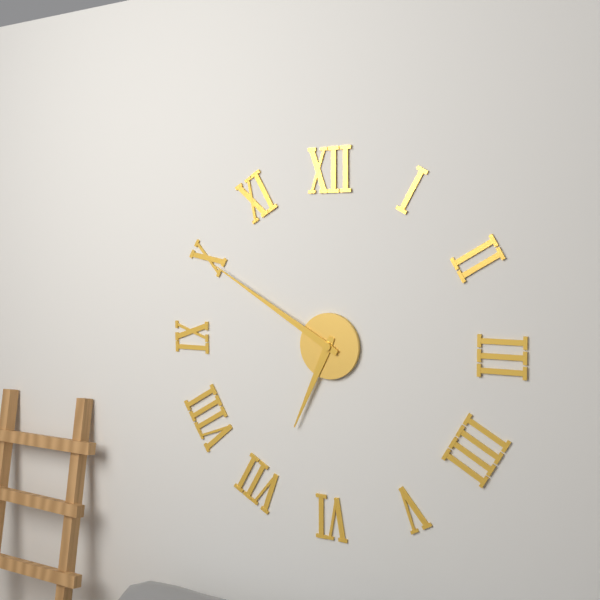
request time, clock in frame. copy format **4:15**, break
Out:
**6:50**
